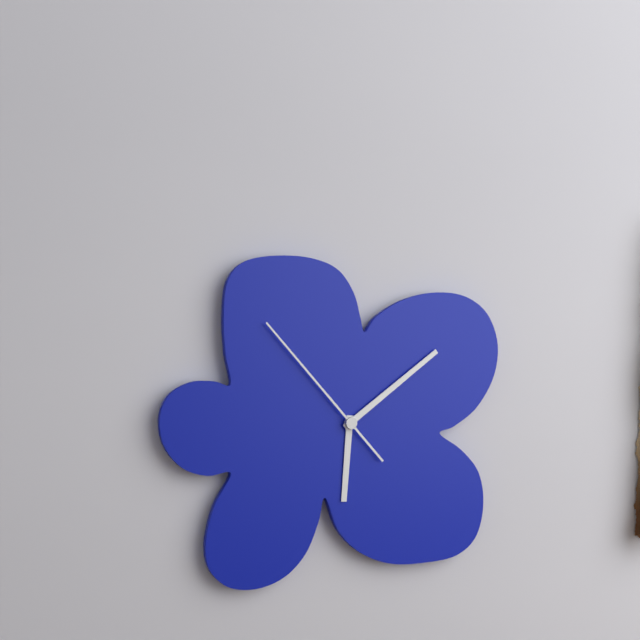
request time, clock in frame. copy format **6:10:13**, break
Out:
**6:09:53**
